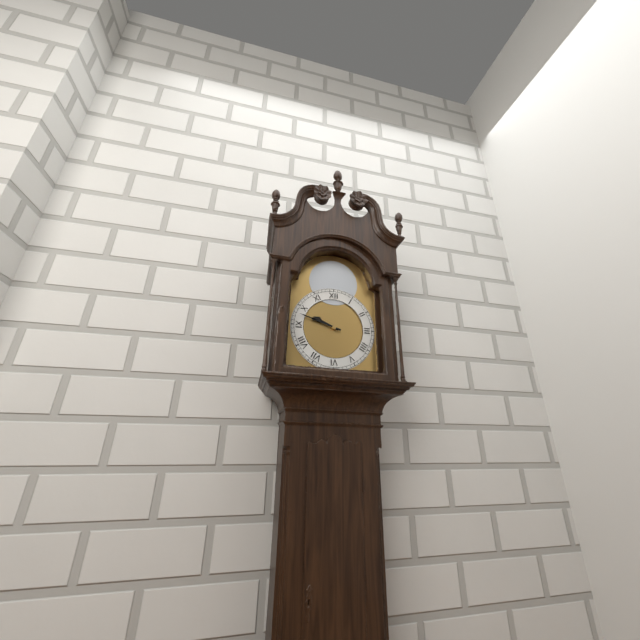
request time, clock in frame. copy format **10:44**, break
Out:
**9:48**
